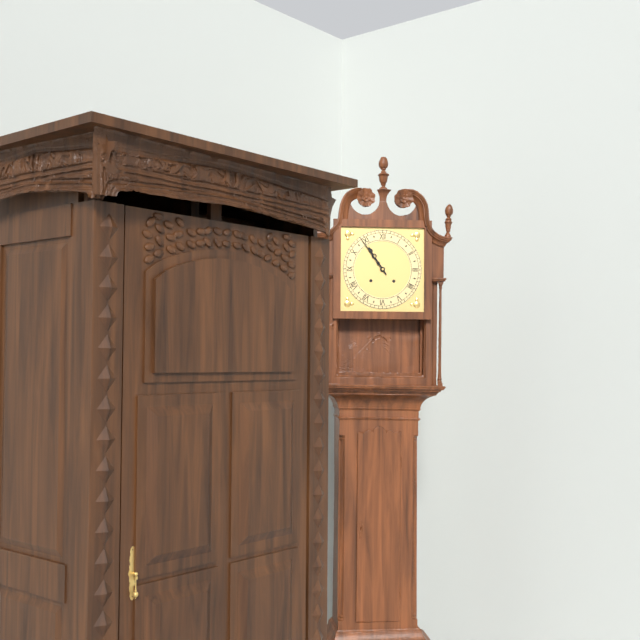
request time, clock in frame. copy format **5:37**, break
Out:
**10:54**
